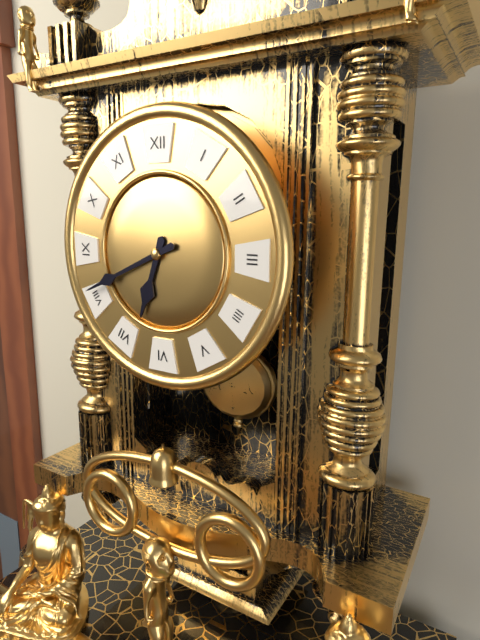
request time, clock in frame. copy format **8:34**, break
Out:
**6:41**
